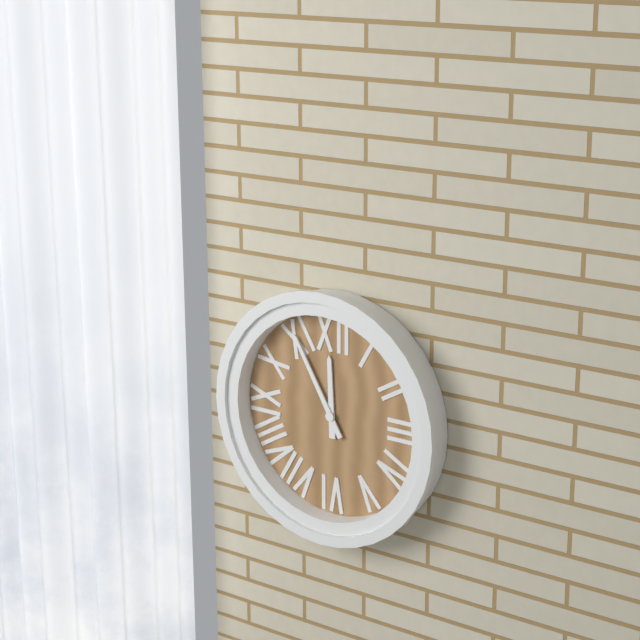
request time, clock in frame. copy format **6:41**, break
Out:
**11:55**
